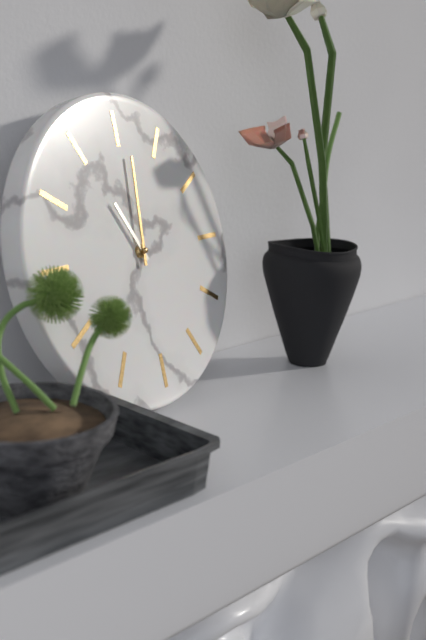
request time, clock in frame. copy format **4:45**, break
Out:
**11:01**
